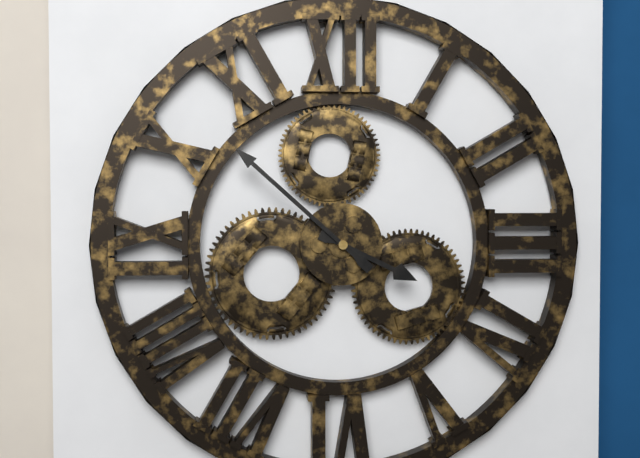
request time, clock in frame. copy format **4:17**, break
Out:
**3:52**
